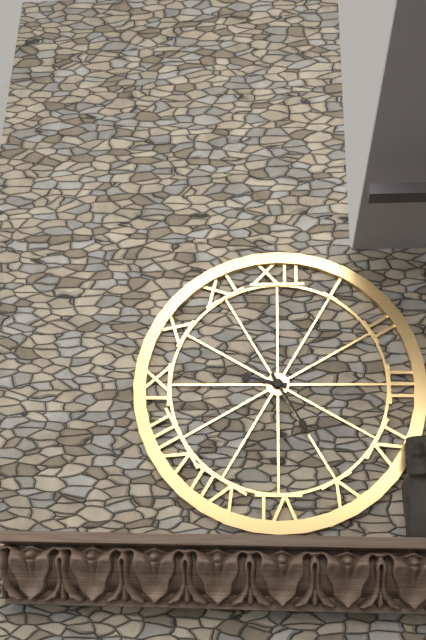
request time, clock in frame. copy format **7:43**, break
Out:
**9:25**
